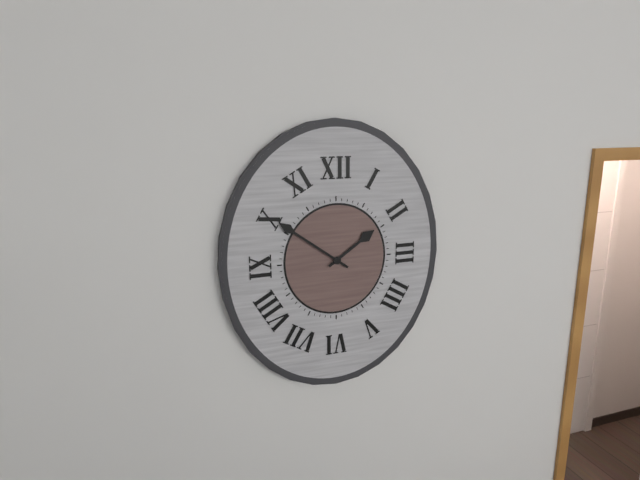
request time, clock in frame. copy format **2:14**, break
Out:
**1:51**
